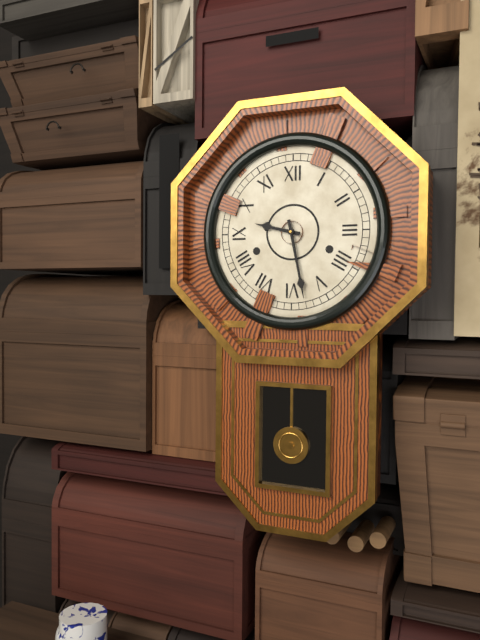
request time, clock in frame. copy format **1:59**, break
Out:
**9:28**
